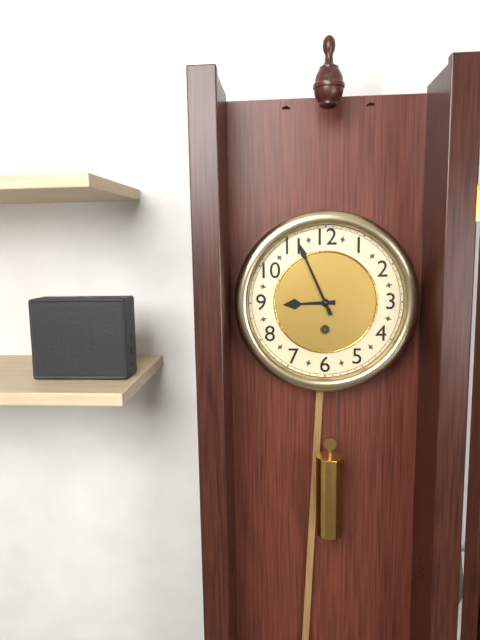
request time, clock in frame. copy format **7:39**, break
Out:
**8:56**
